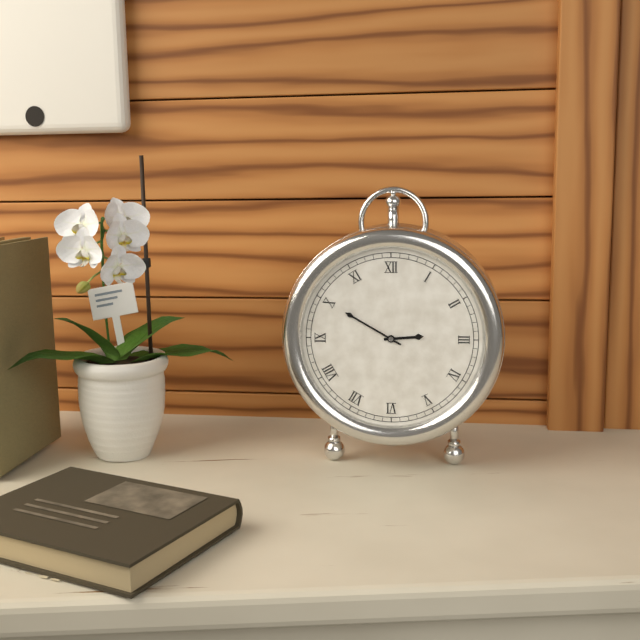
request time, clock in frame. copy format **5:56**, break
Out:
**2:50**
